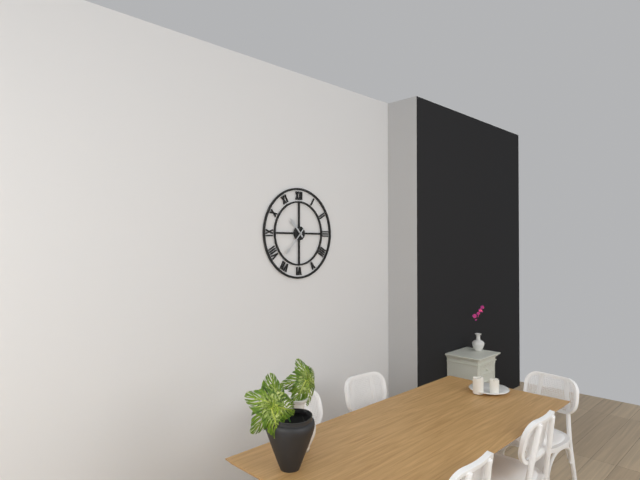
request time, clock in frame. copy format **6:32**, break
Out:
**10:37**
